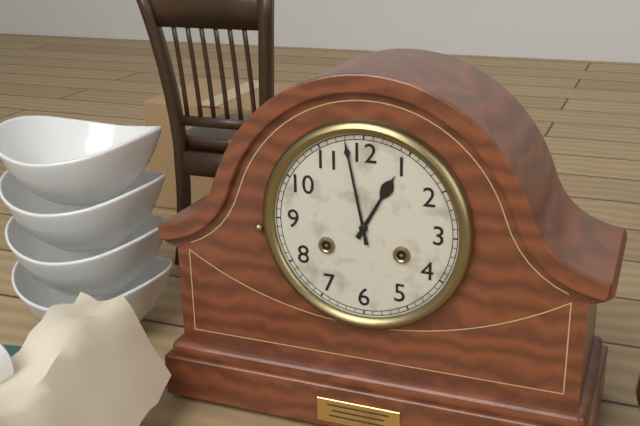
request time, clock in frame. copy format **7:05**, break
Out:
**12:58**
